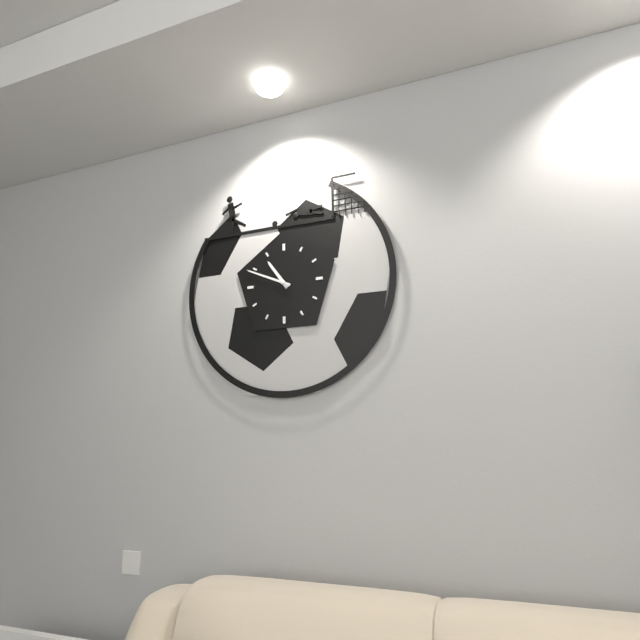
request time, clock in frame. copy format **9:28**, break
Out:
**10:49**
